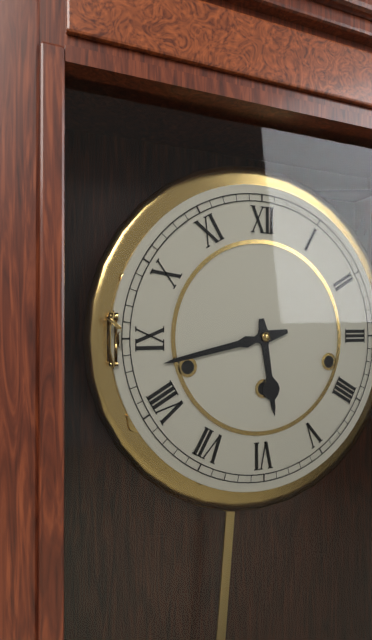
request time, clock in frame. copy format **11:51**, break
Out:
**5:43**
